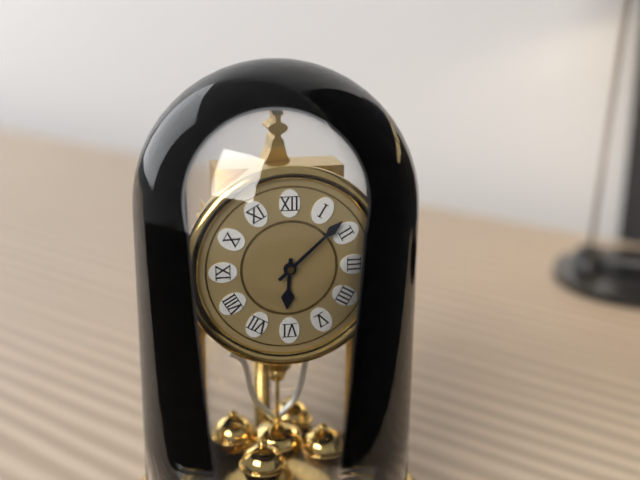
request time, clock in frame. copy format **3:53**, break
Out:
**6:08**
